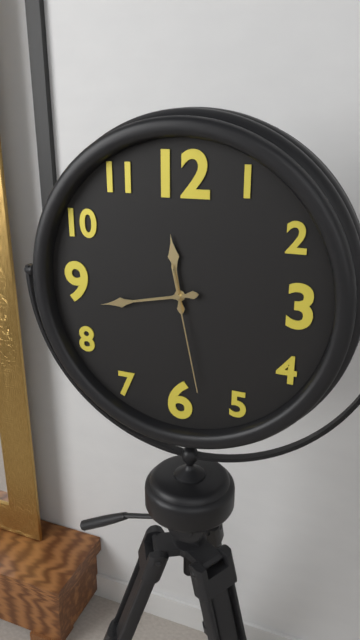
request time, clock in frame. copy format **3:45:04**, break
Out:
**11:43:28**
